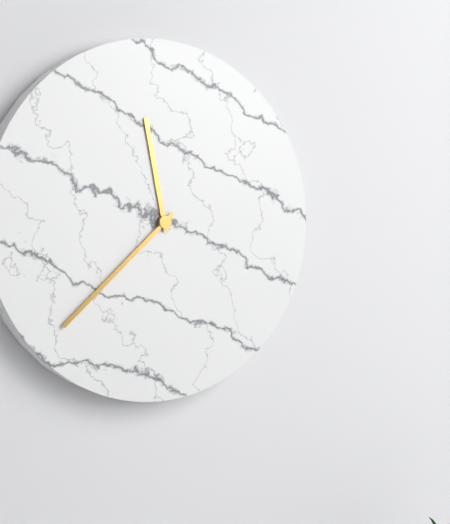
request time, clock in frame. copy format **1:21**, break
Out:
**11:38**
